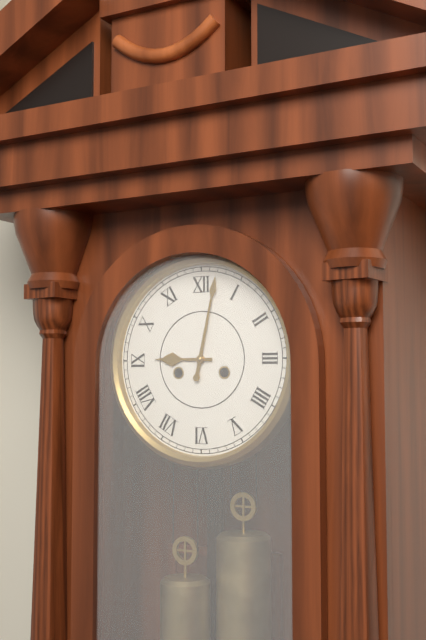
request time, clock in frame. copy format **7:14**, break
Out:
**9:02**
